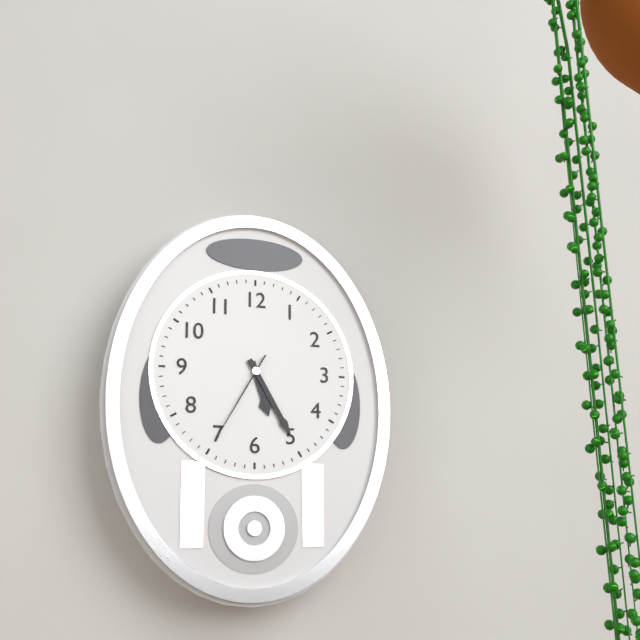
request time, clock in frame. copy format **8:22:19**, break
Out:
**5:25:35**
